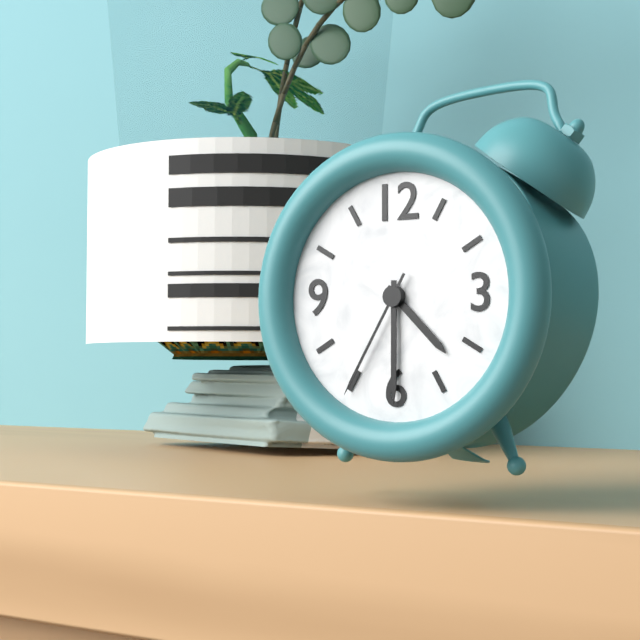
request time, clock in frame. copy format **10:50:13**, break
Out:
**4:30:35**
